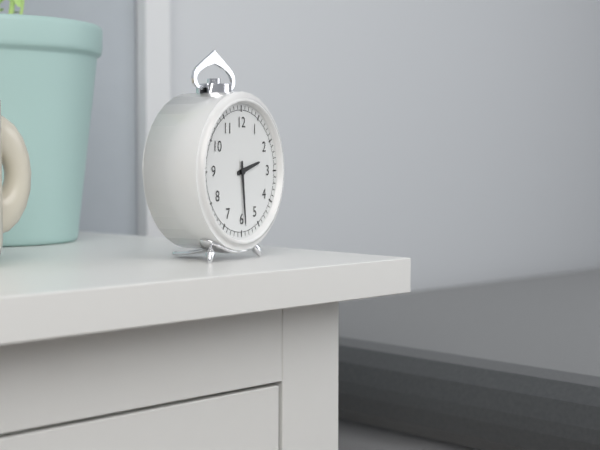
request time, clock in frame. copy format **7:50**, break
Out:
**2:29**
